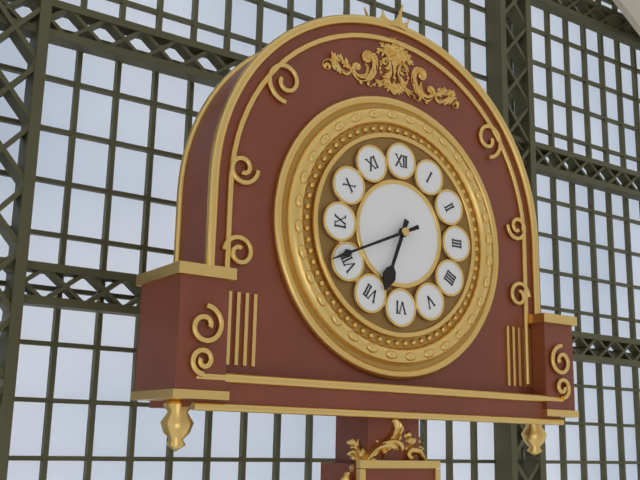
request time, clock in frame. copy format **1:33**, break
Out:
**6:41**
